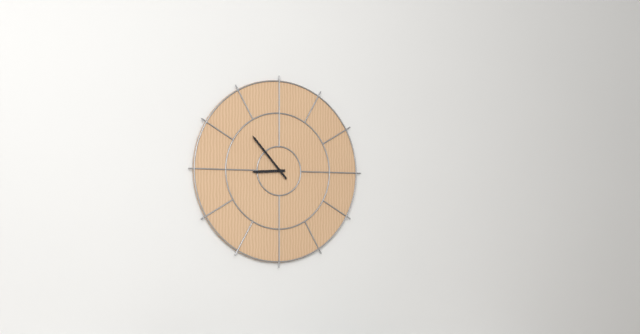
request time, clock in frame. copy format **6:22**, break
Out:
**8:53**
